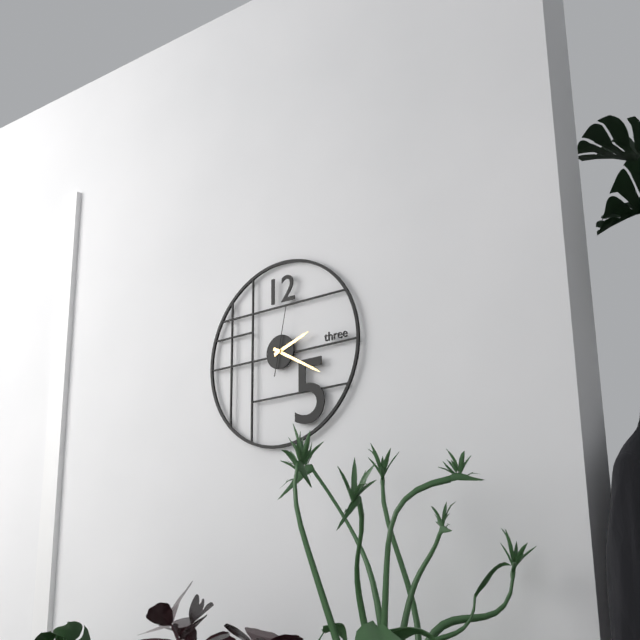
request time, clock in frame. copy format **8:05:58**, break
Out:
**2:20:02**
